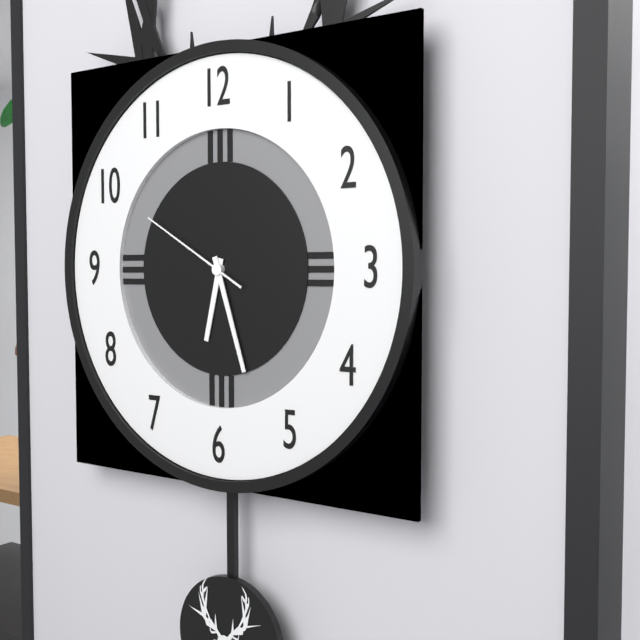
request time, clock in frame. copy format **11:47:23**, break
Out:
**6:27:50**
